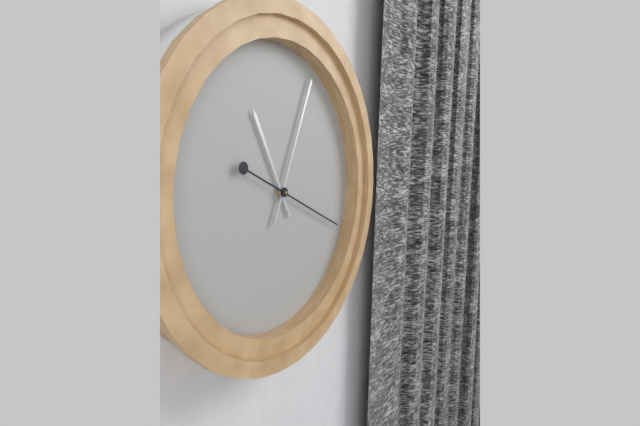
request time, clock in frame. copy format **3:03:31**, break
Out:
**11:04:19**
